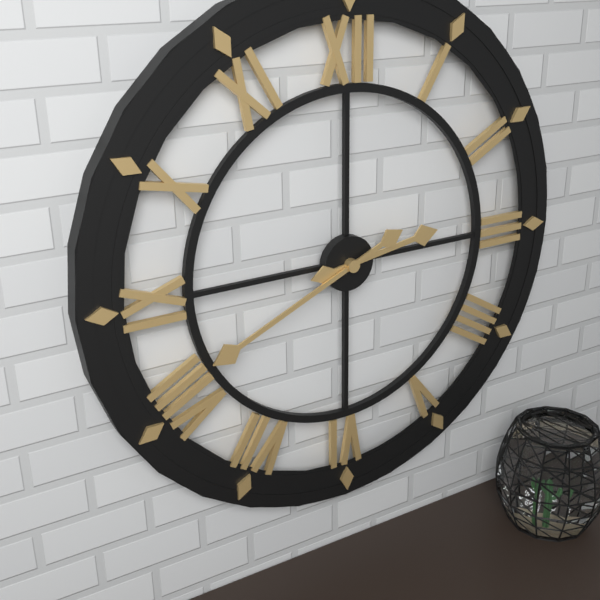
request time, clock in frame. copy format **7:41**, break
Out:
**2:41**
